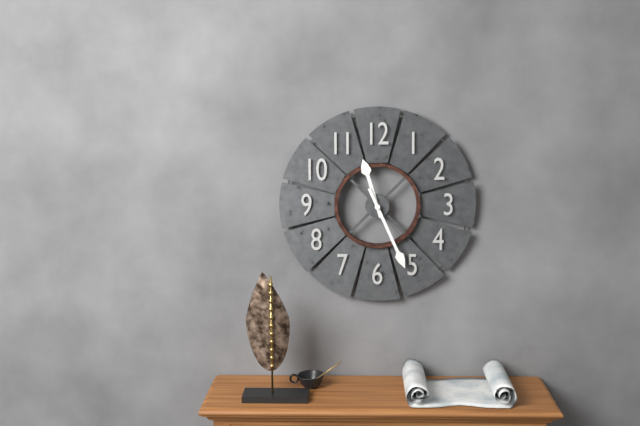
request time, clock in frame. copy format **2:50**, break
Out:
**11:26**
